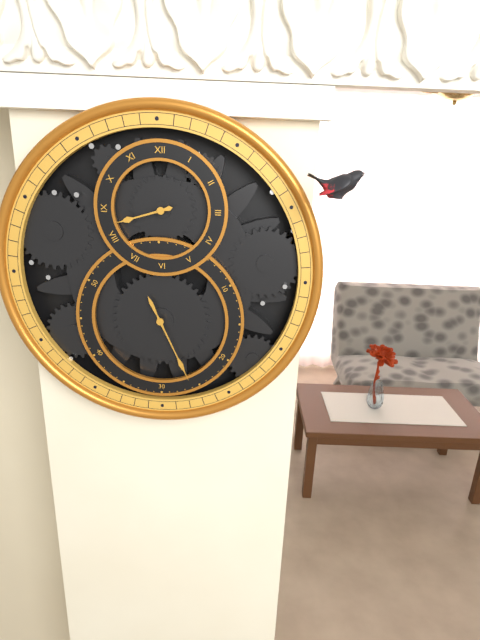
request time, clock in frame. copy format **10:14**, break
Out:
**8:26**
